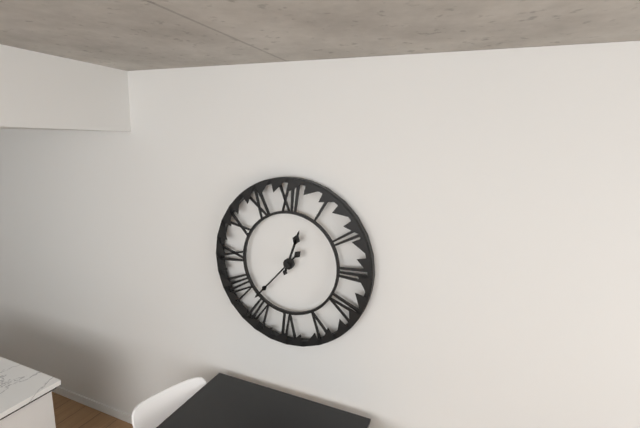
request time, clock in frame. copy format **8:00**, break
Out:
**12:37**
